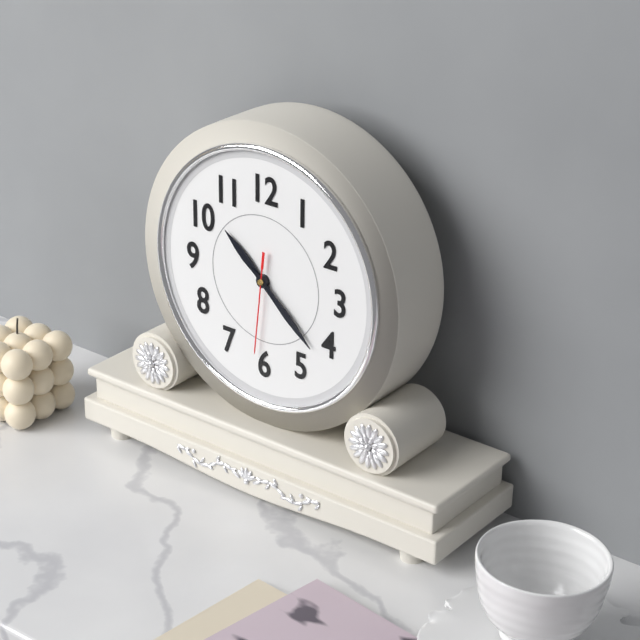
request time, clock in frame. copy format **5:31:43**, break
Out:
**10:22:31**
